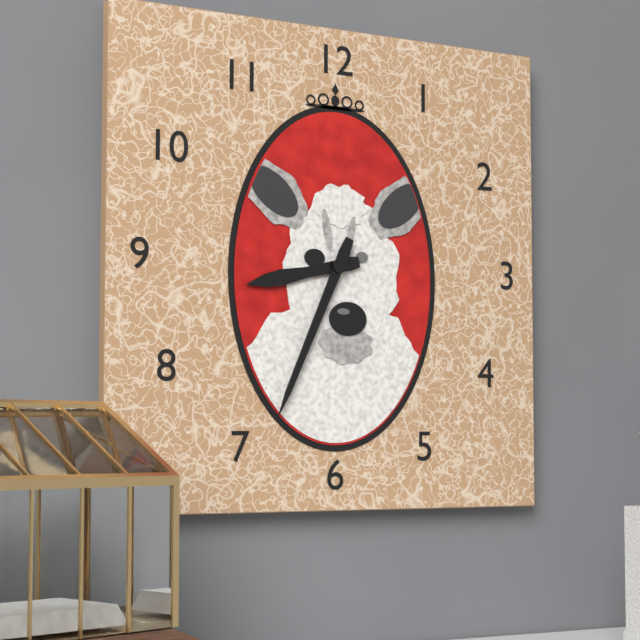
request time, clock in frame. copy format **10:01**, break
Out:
**8:34**
